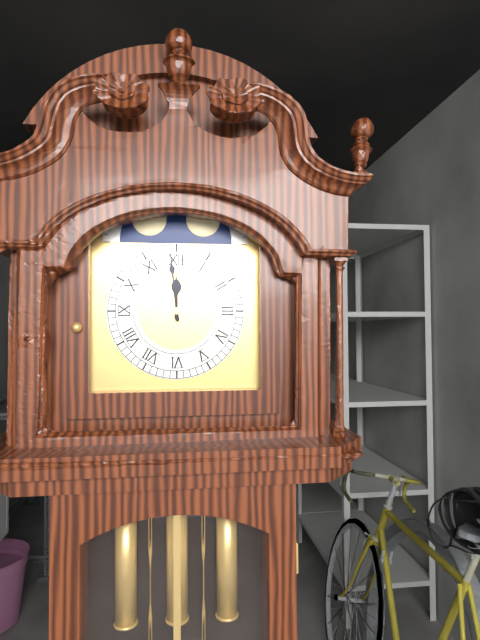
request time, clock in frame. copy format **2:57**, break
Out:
**11:59**
